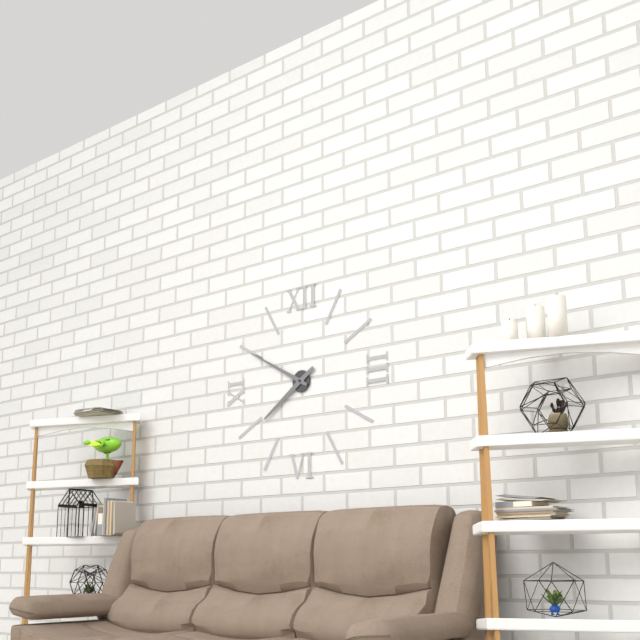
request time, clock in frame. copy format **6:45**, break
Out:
**7:50**
